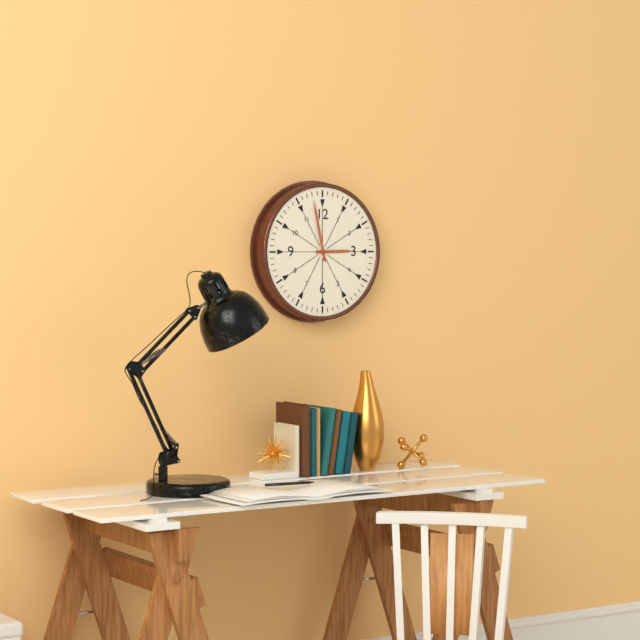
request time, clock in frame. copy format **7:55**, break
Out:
**2:58**
